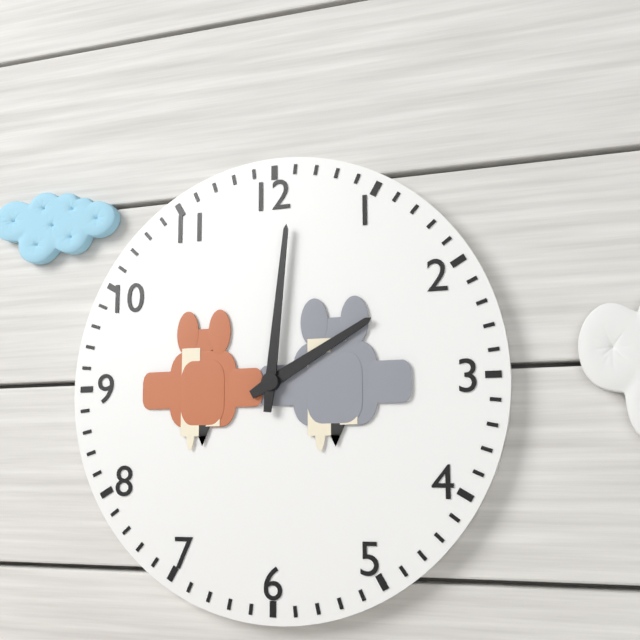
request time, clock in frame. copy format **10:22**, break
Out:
**2:01**
